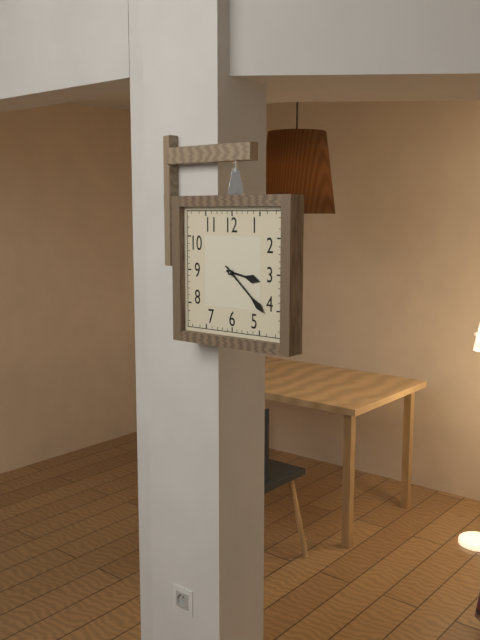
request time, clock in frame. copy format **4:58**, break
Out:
**3:22**
